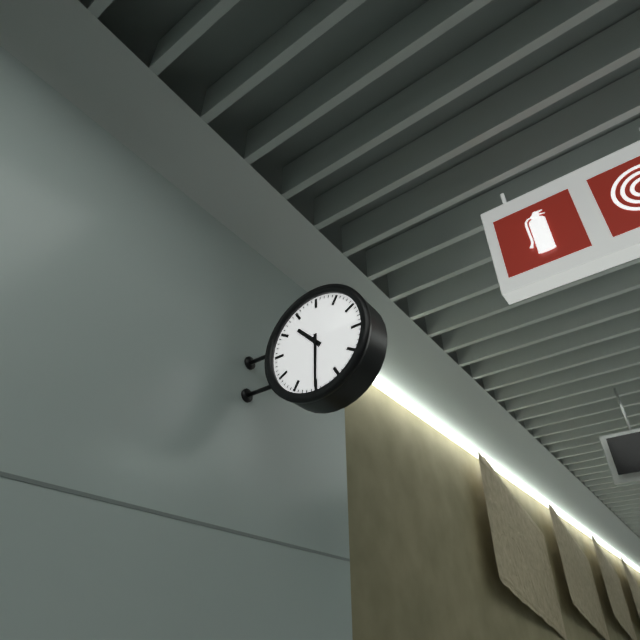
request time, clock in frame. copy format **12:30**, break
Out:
**10:30**
